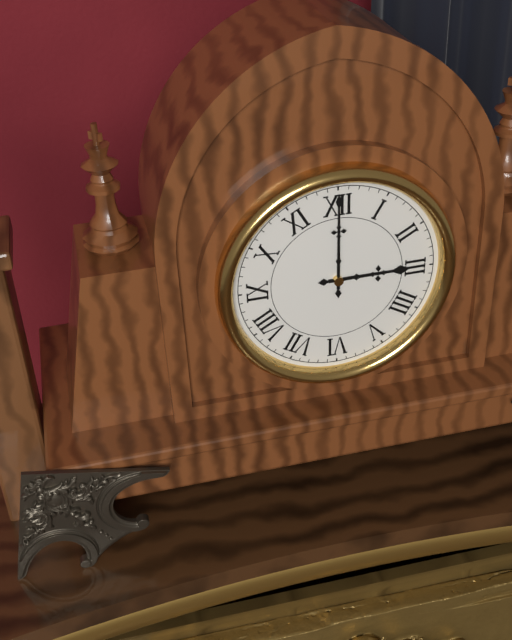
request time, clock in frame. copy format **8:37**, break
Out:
**3:00**
